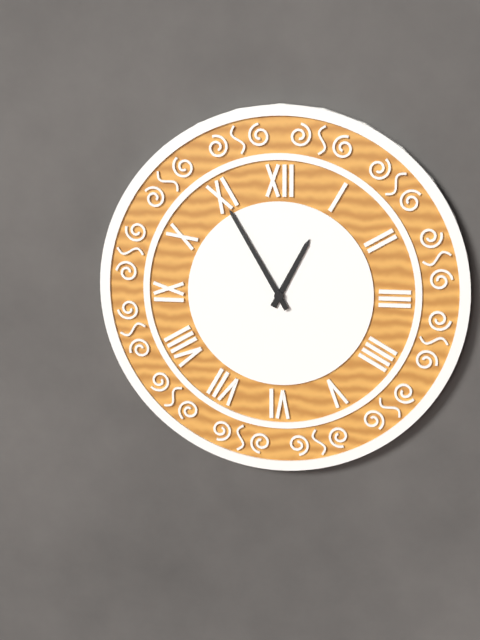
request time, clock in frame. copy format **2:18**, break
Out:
**12:55**
